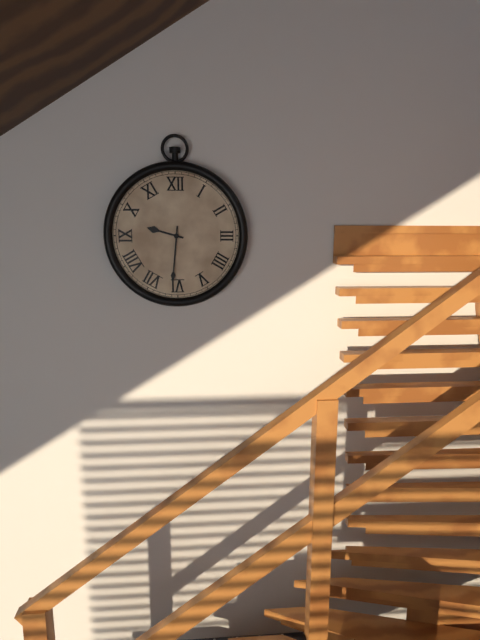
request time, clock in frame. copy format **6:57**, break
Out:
**9:31**
